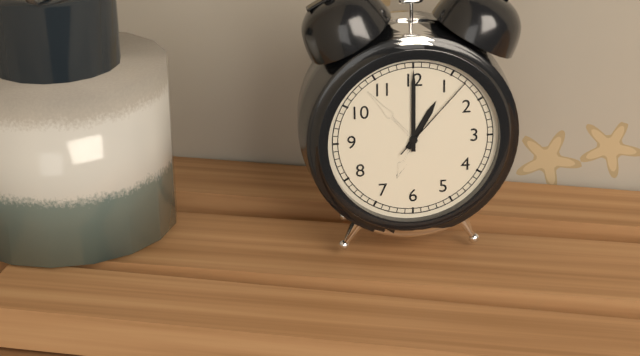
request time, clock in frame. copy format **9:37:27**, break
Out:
**1:00:07**
